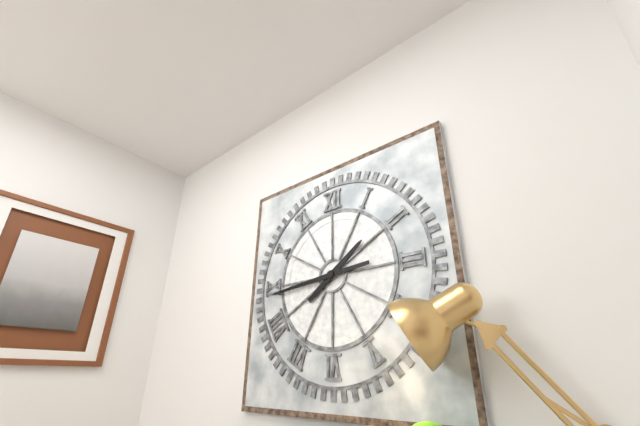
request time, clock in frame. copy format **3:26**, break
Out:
**1:44**
